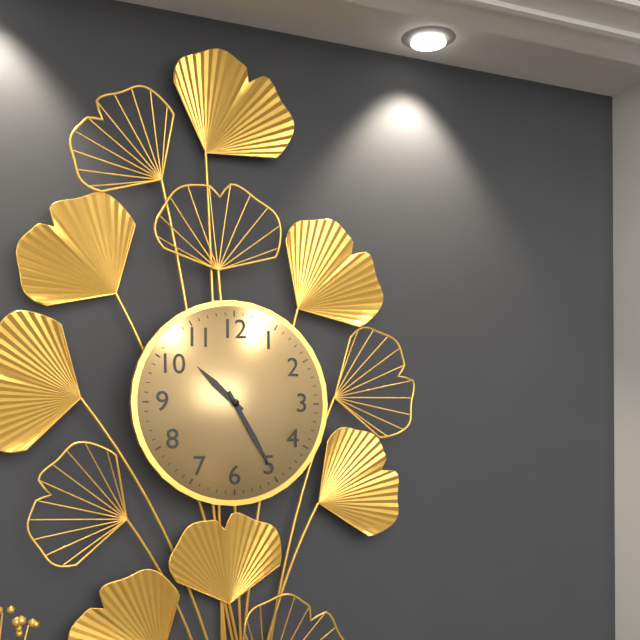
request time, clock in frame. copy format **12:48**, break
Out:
**10:25**
